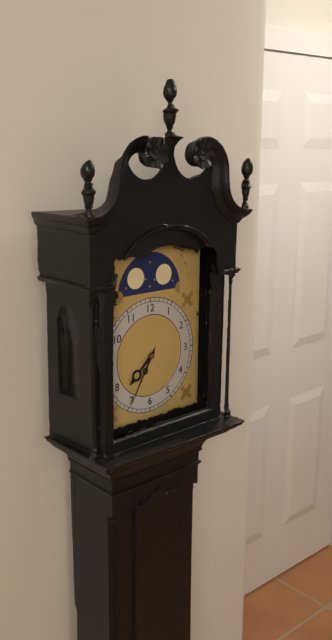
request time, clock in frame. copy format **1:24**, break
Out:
**7:35**
